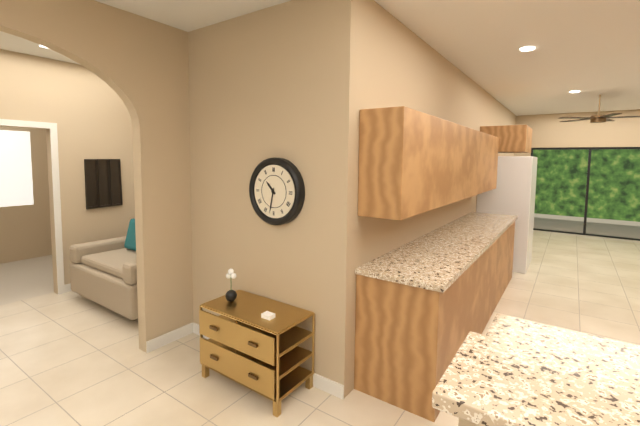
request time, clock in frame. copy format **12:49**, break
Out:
**10:32**
